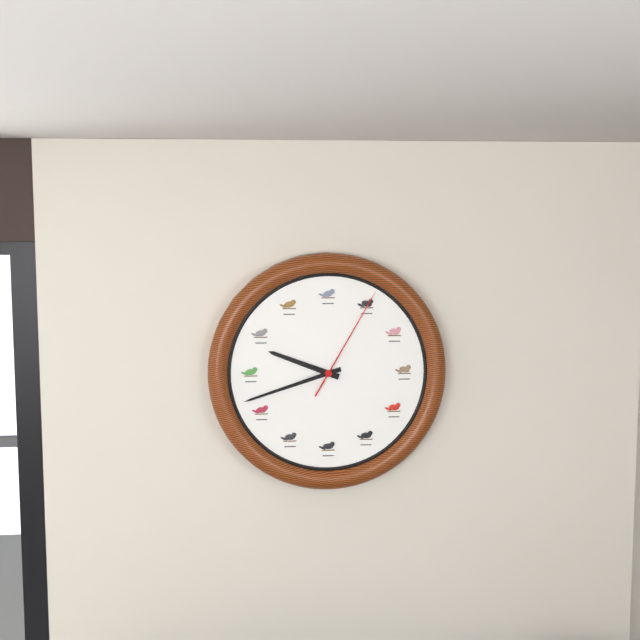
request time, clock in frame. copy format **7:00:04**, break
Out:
**9:42:05**
